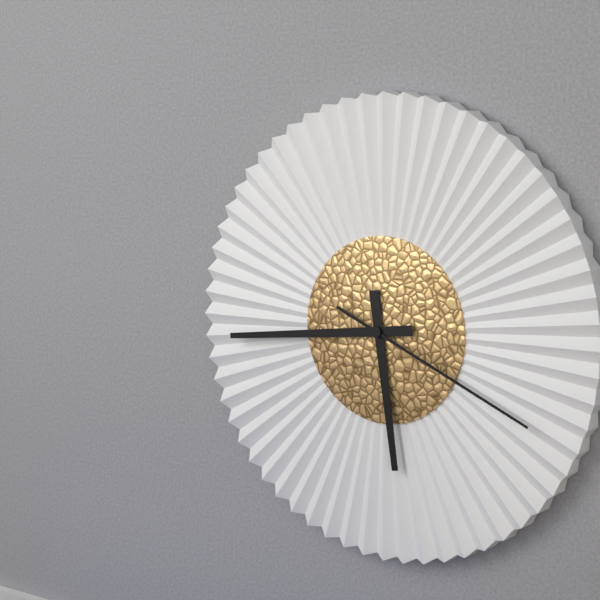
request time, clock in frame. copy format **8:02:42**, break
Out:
**5:44:19**
